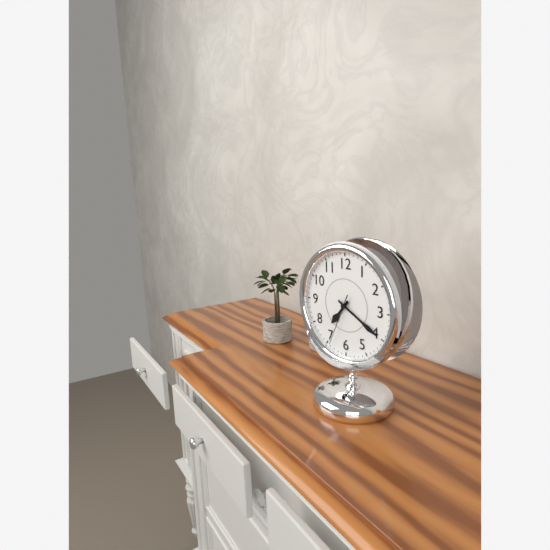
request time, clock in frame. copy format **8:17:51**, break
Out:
**7:20:34**
